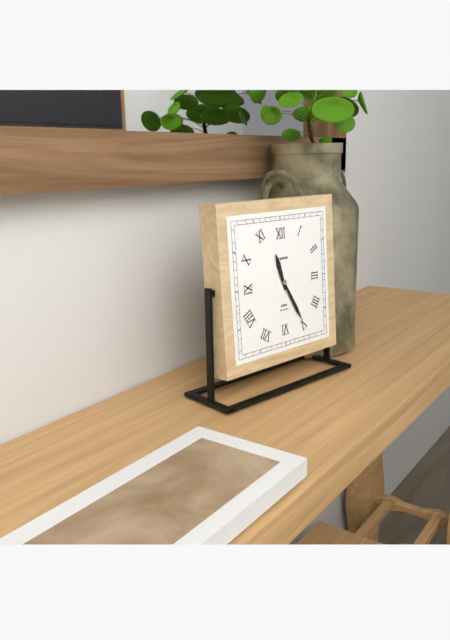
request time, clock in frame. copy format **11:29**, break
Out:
**11:25**
